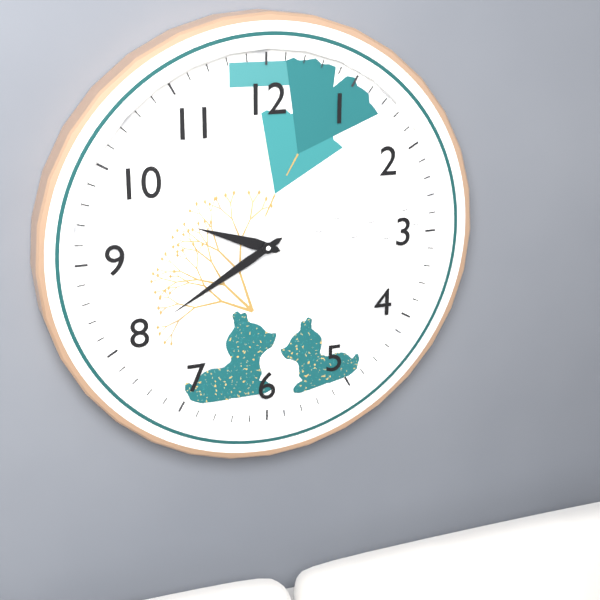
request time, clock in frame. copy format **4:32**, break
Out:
**9:40**
